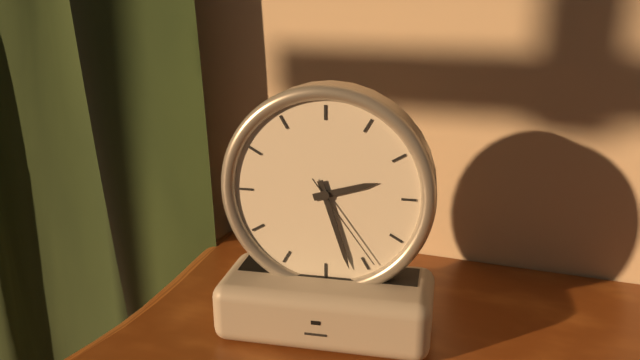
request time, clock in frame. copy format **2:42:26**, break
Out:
**2:27:24**
